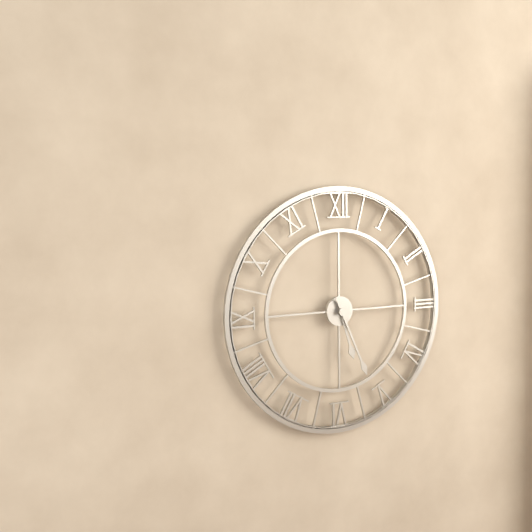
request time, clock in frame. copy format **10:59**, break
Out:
**5:26**
